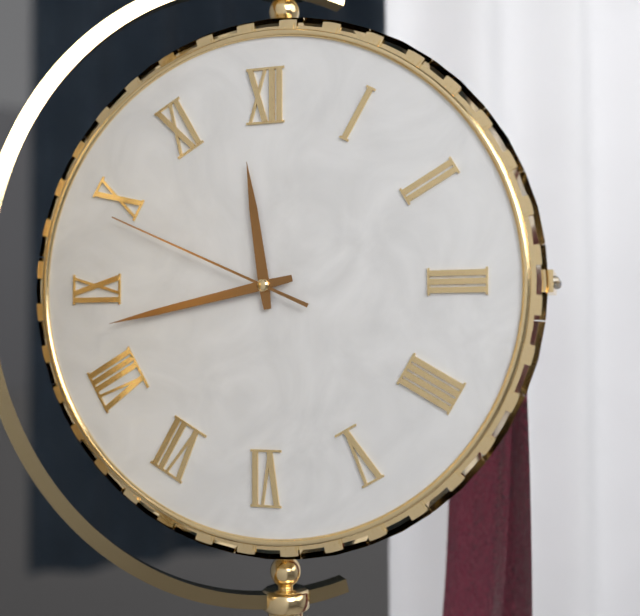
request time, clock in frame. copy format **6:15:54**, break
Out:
**11:43:49**
